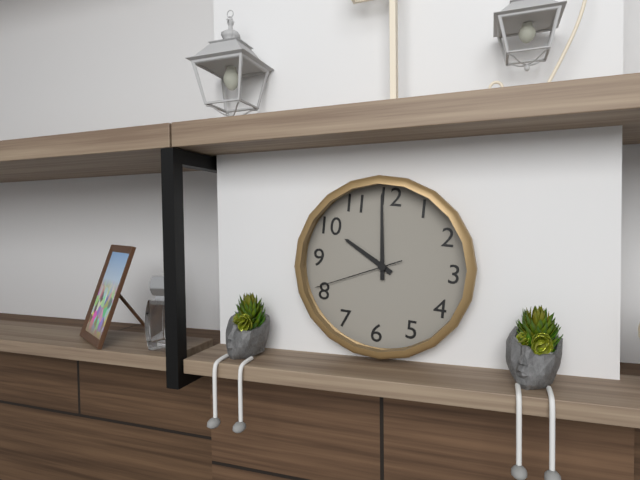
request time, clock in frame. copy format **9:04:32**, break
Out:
**9:59:41**
